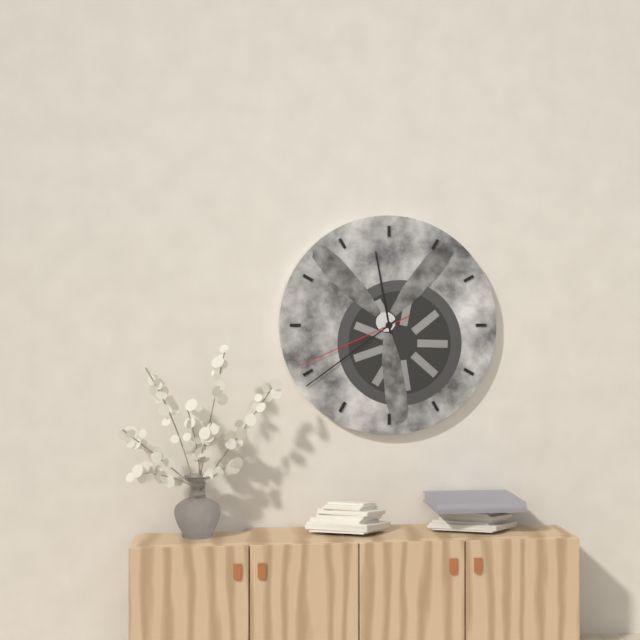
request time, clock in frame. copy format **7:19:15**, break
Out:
**11:39:41**
